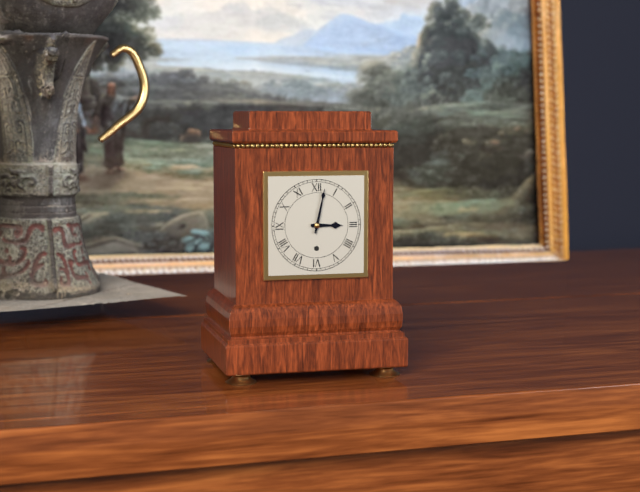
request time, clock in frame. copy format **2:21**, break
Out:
**3:02**
